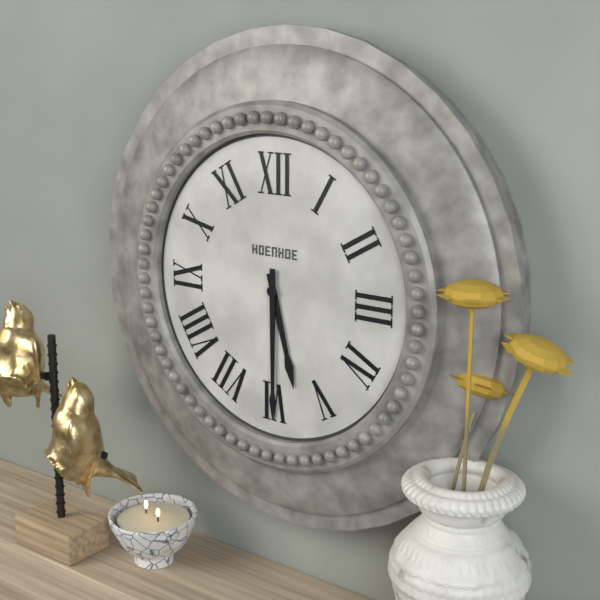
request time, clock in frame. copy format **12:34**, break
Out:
**5:30**
